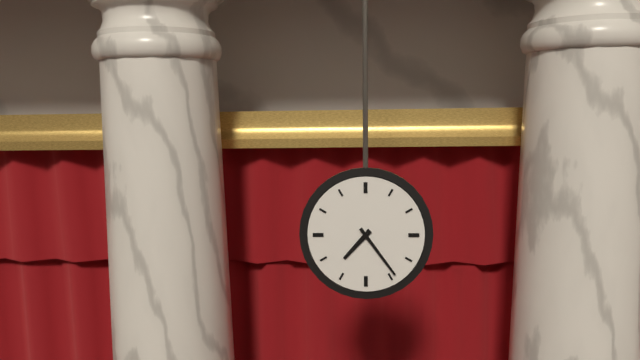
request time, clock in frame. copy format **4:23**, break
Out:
**7:24**
